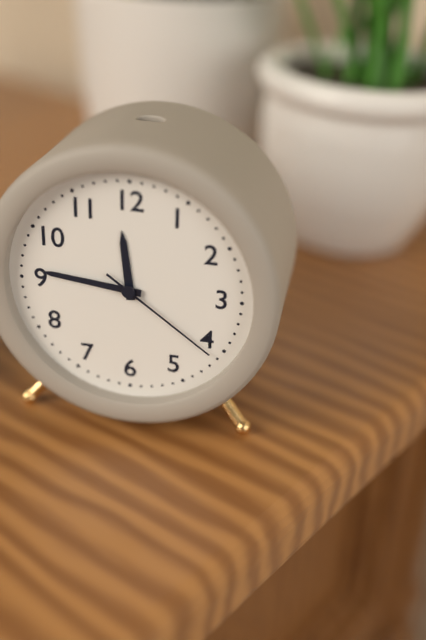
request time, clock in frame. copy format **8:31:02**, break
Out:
**11:46:21**
